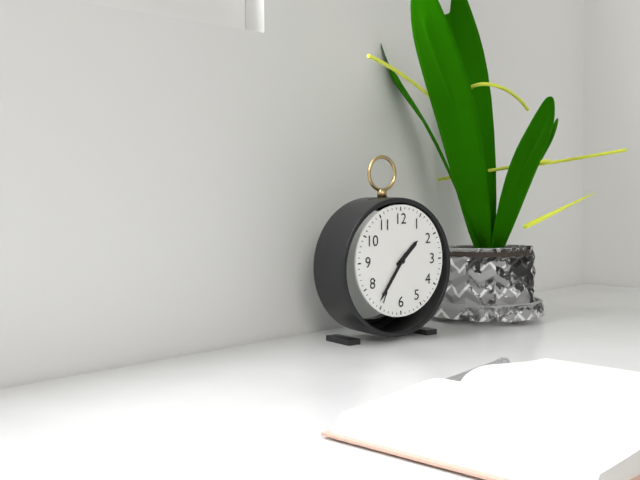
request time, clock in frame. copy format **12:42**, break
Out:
**1:36**
